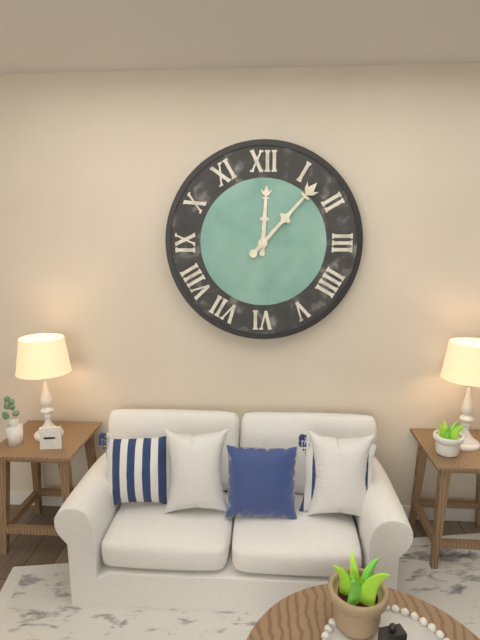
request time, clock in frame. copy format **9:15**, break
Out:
**12:07**
